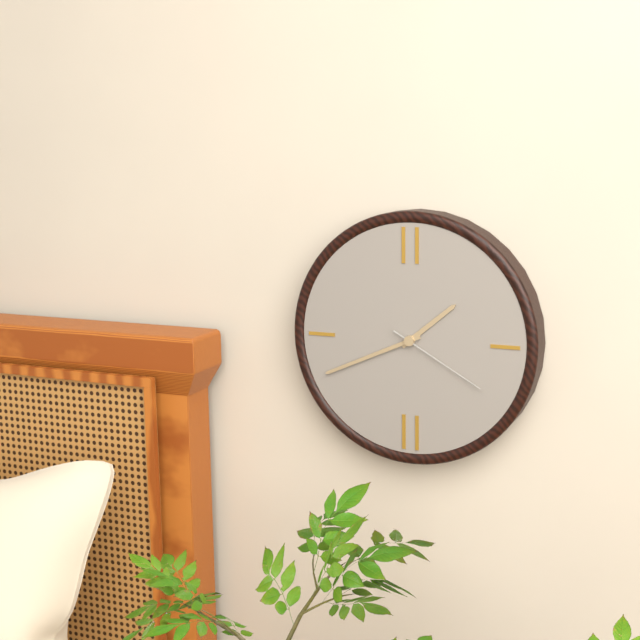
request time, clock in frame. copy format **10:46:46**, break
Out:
**1:41:20**
